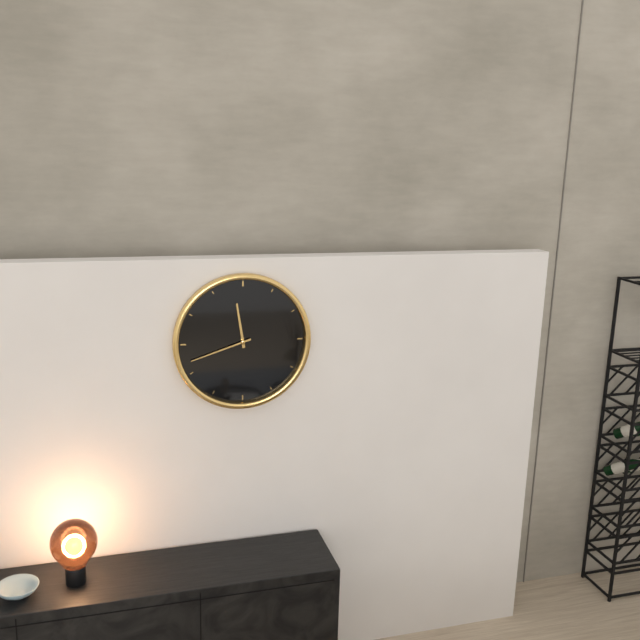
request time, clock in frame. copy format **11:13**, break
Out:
**11:42**
